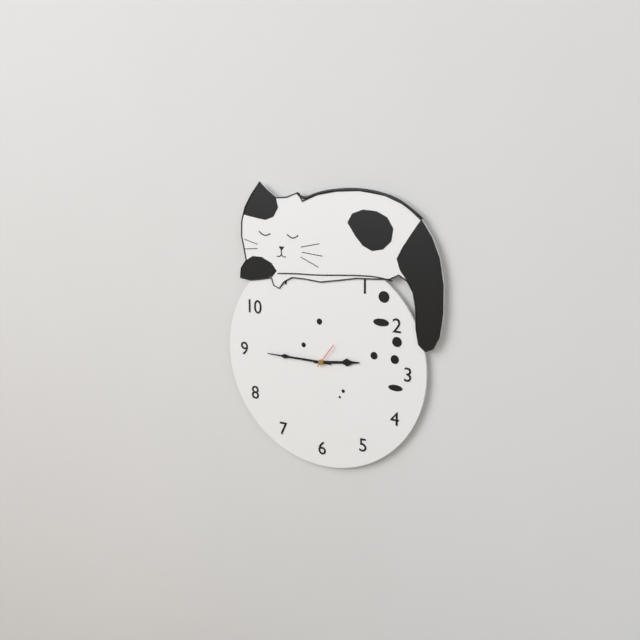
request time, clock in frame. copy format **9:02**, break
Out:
**2:45**
